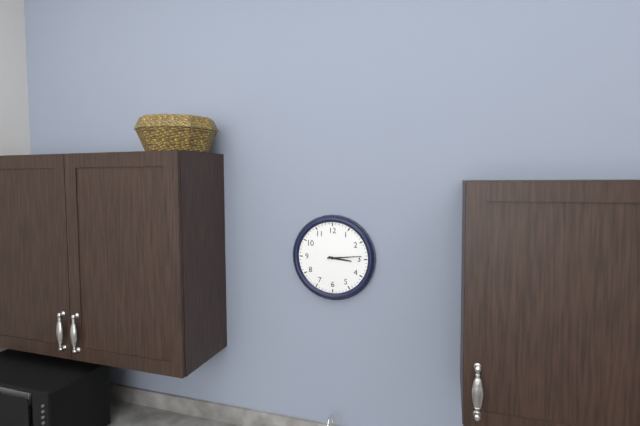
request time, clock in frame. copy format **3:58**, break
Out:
**3:14**
